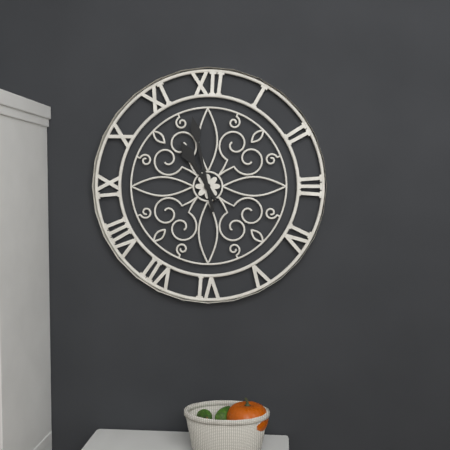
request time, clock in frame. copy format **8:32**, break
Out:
**10:58**
